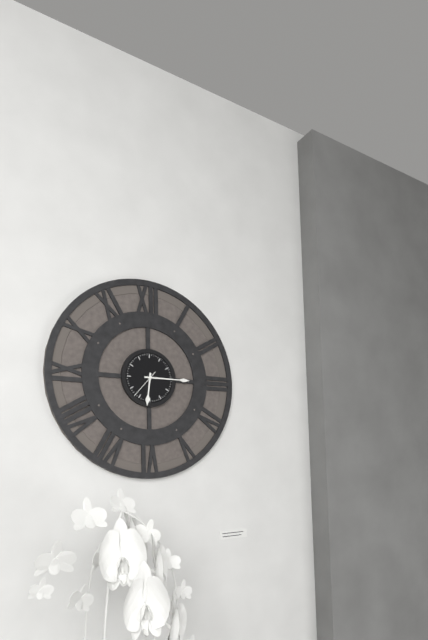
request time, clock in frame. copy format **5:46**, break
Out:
**6:15**
